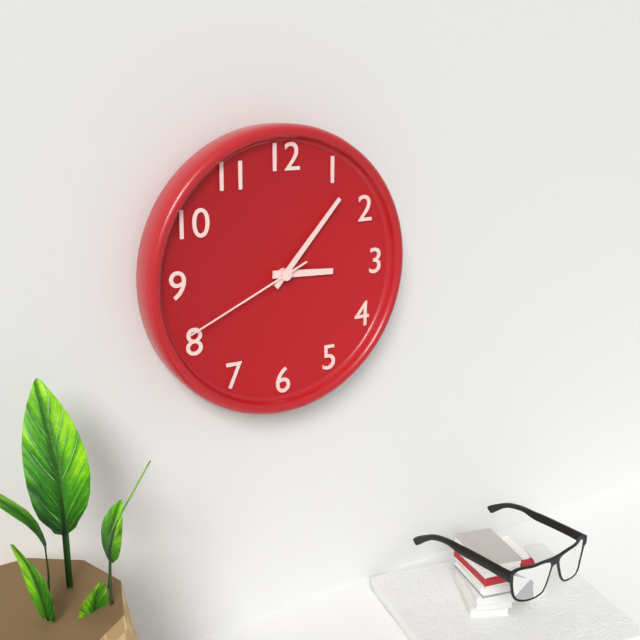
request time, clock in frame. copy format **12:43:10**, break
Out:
**3:07:41**
